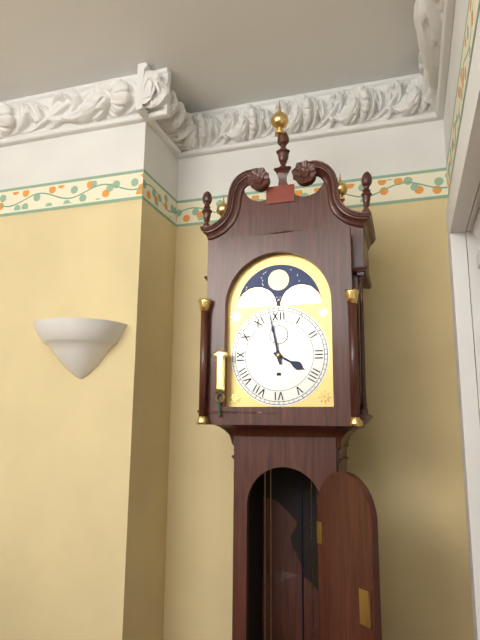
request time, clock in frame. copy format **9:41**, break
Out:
**3:58**
